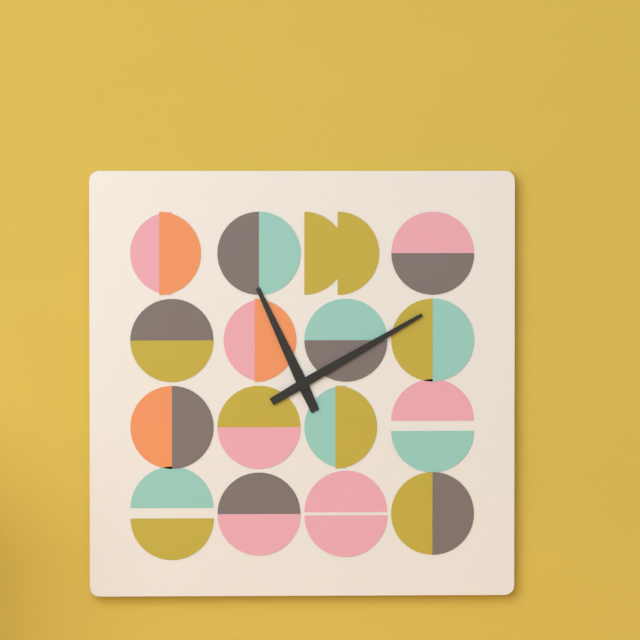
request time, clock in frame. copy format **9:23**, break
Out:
**11:10**
